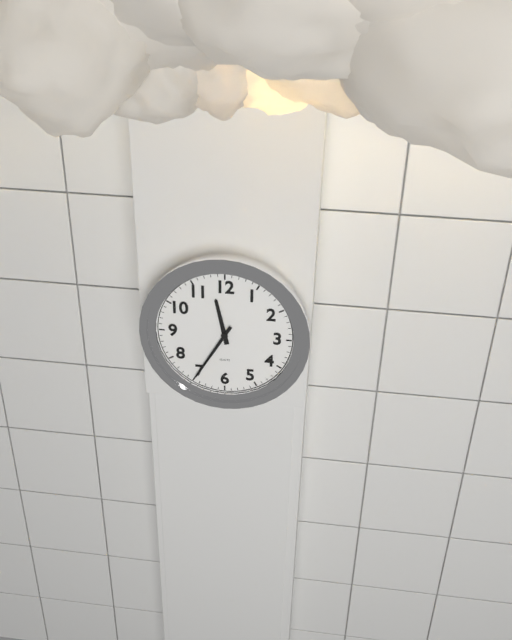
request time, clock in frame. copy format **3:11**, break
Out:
**11:35**
